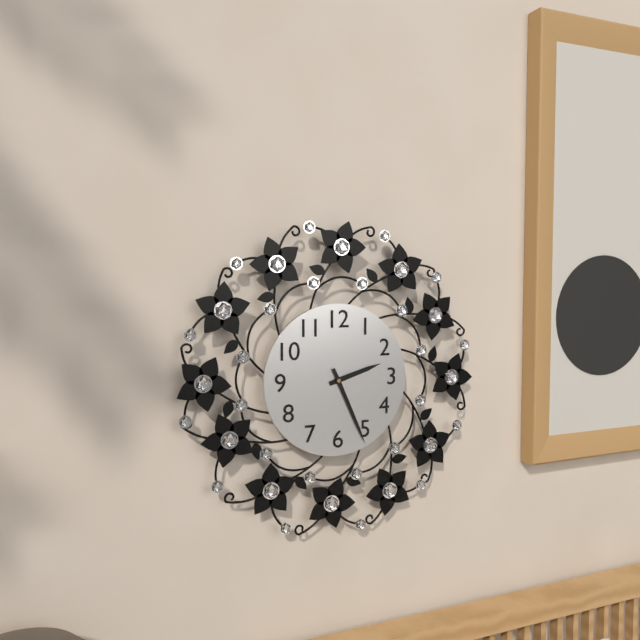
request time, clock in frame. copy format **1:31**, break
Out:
**2:26**
